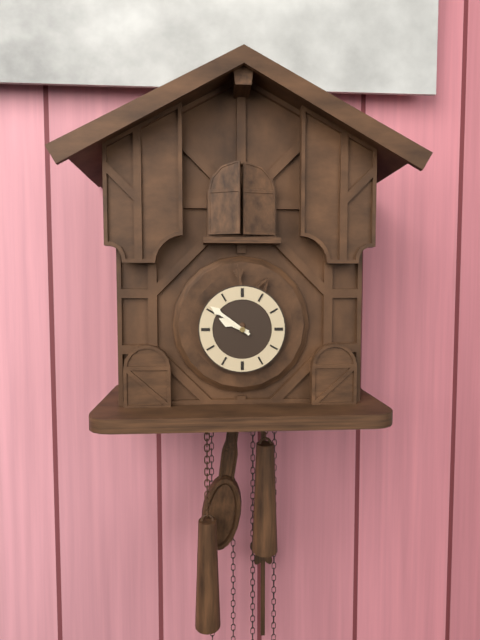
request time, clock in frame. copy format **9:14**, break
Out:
**9:51**
